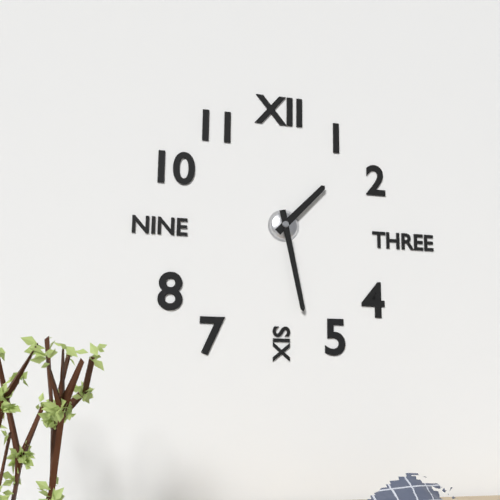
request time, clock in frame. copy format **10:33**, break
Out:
**1:28**
